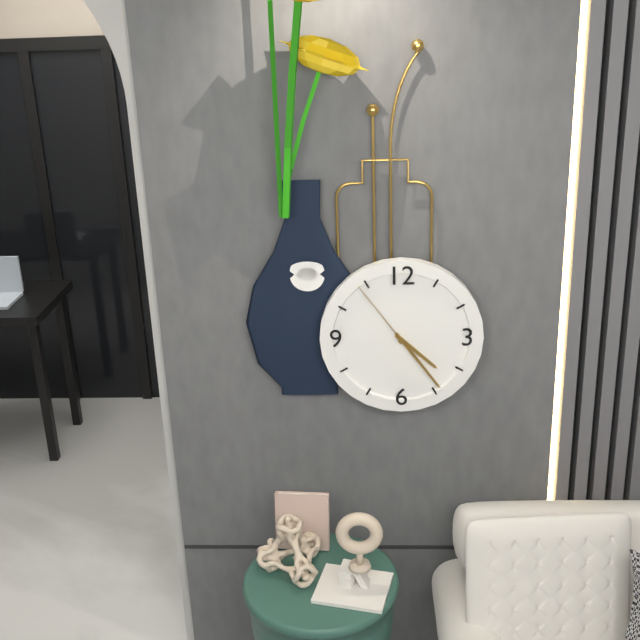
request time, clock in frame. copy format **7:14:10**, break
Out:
**4:24:54**
